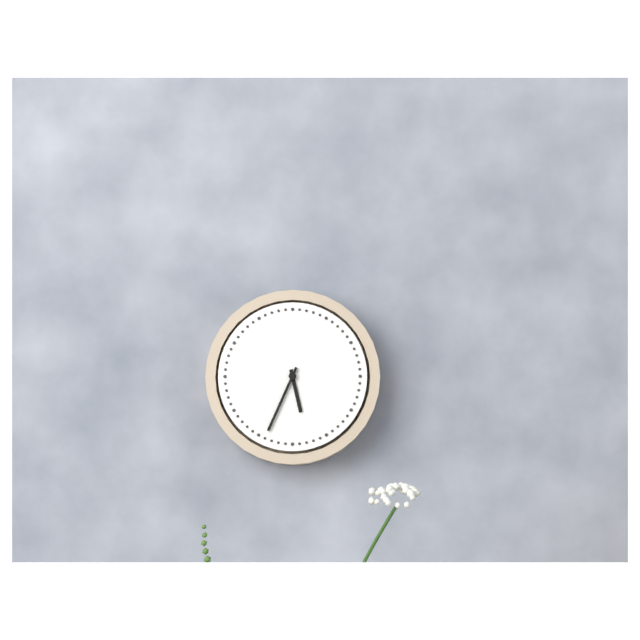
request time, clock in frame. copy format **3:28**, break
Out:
**5:34**
